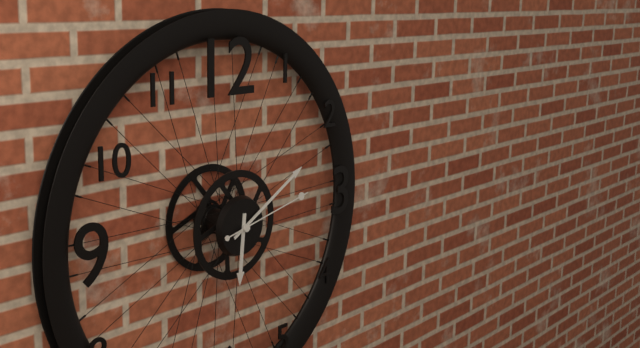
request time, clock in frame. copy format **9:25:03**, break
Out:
**6:10:13**
